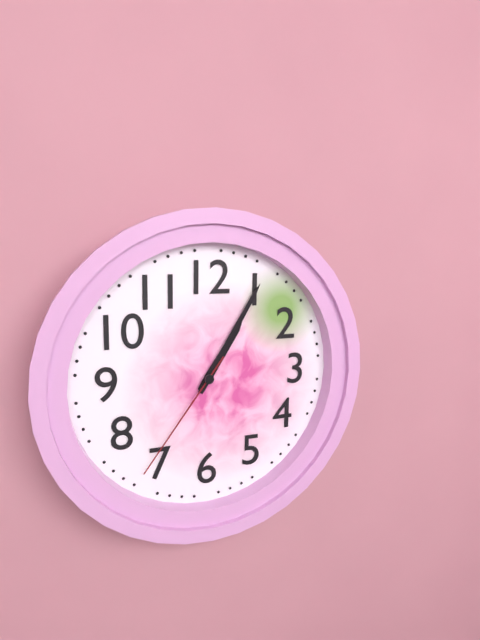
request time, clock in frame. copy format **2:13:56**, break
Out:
**1:05:36**
